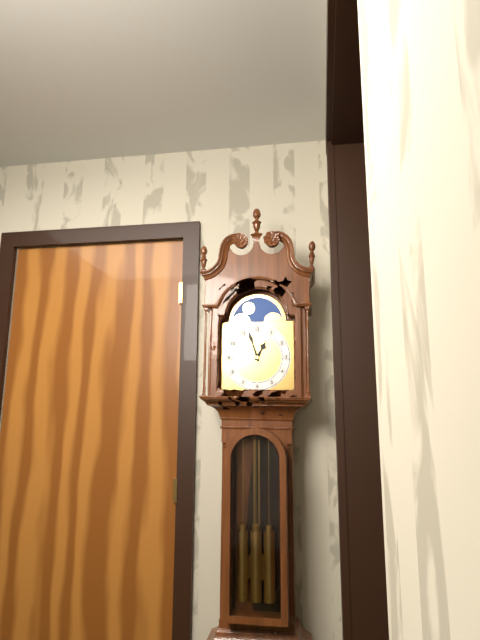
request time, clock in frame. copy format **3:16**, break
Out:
**12:57**
